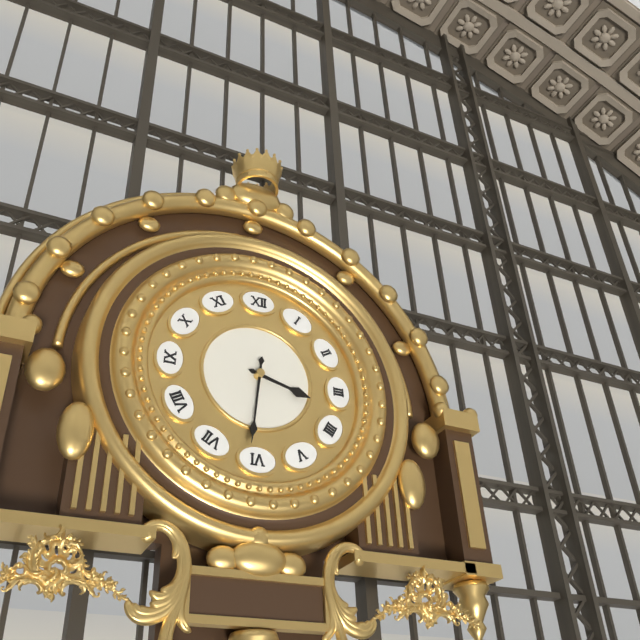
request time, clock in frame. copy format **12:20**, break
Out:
**3:31**
